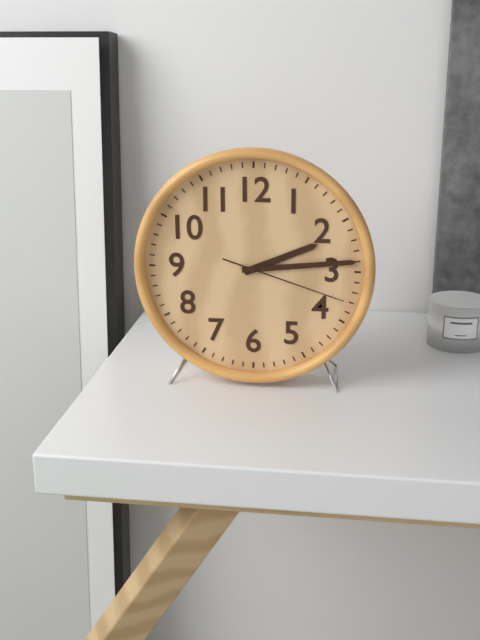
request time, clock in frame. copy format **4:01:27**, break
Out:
**2:14:18**
